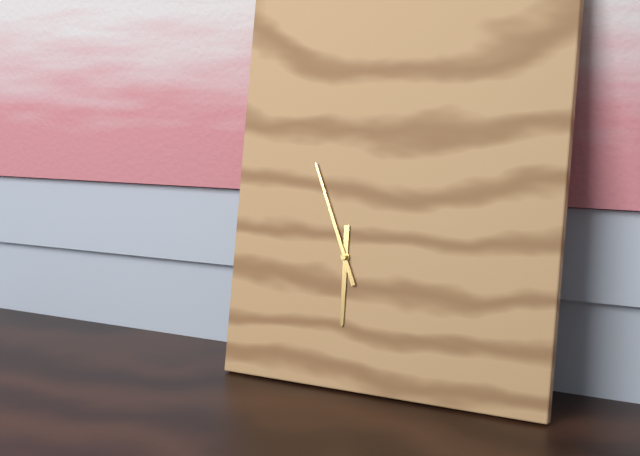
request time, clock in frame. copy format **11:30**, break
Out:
**5:56**
